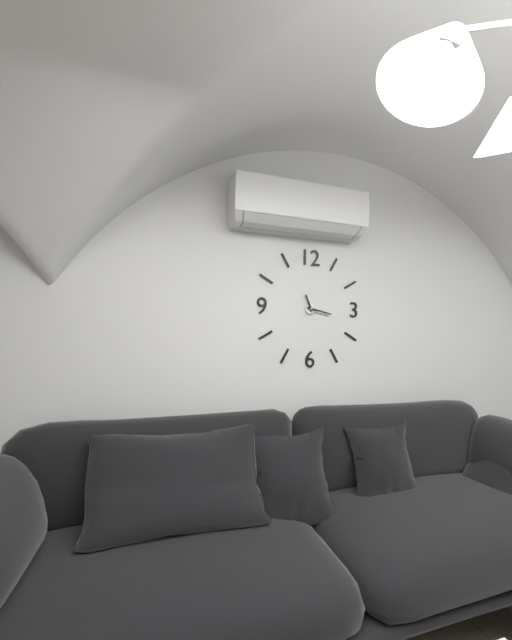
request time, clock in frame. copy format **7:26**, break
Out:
**11:17**
